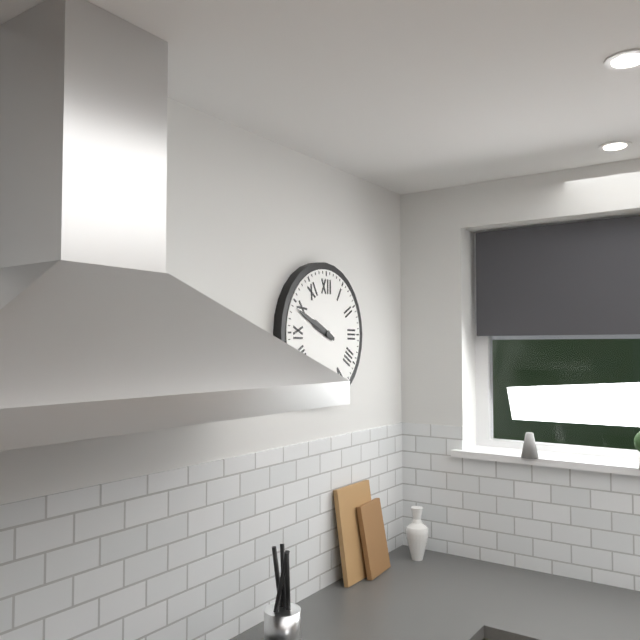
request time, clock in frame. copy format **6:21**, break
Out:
**9:49**
